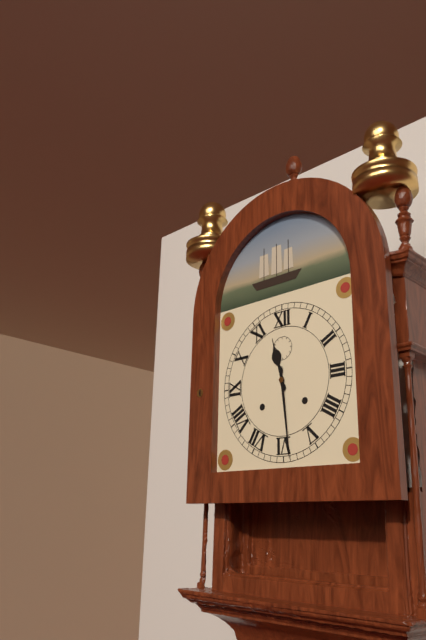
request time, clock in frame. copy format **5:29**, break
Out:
**11:29**
